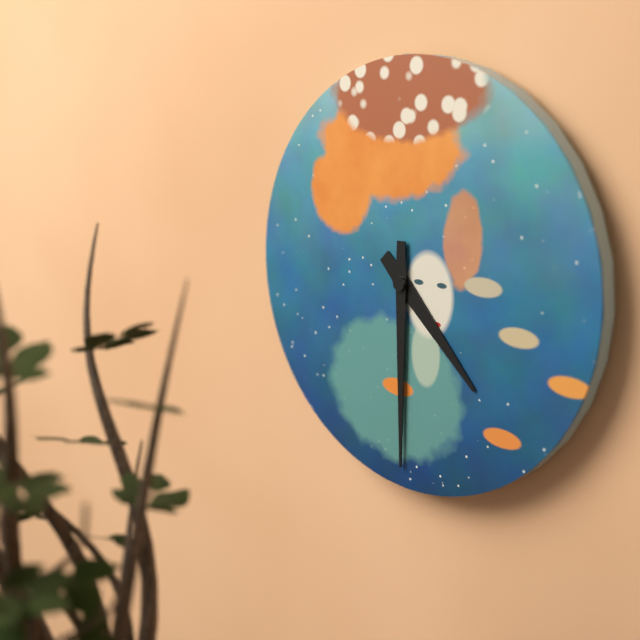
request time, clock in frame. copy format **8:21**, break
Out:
**4:30**
